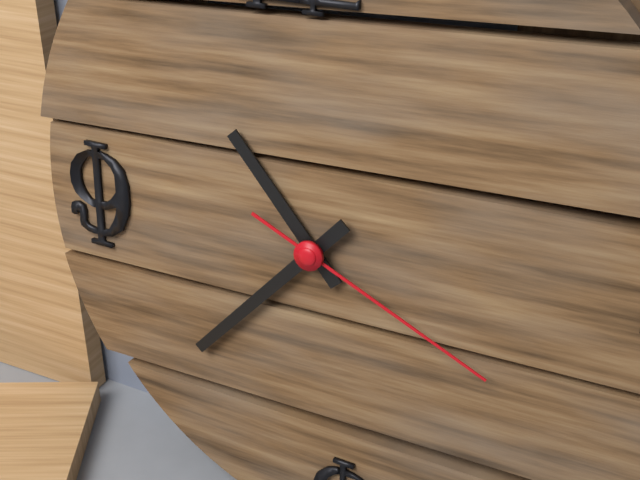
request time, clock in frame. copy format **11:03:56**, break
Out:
**10:37:19**
